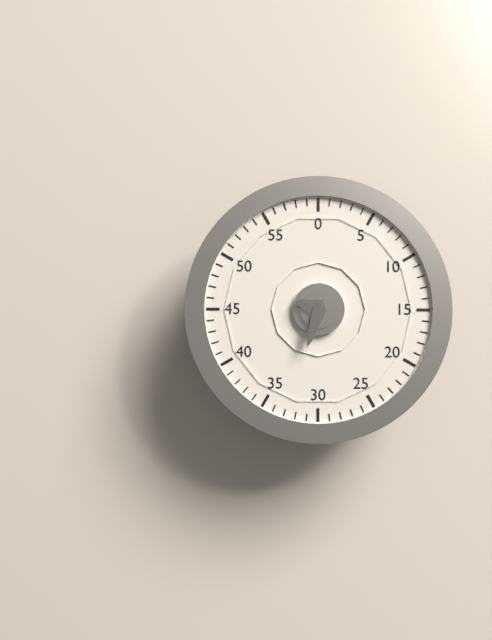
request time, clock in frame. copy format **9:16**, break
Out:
**9:33**
